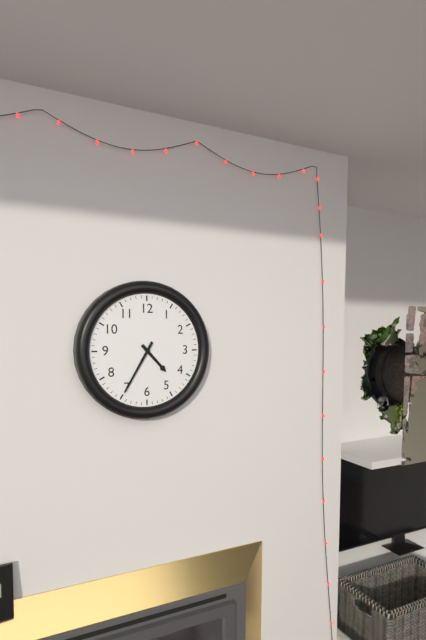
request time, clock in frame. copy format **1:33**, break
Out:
**4:35**
